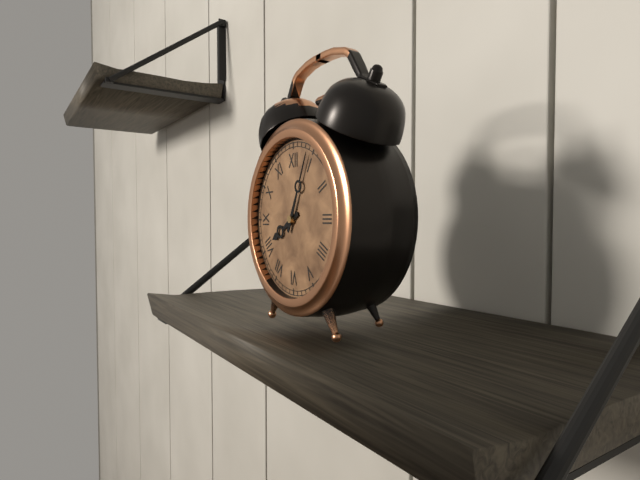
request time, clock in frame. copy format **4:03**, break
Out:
**8:04**
